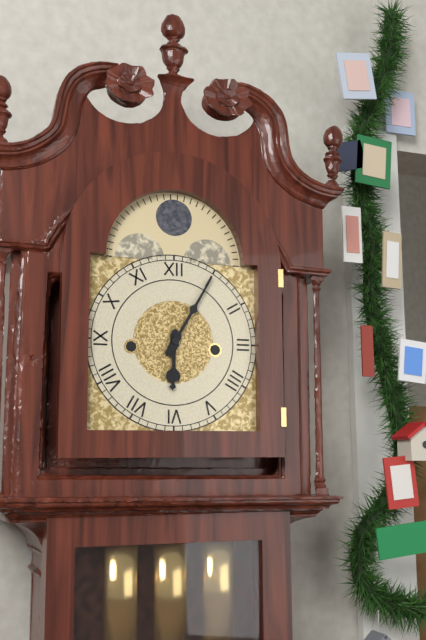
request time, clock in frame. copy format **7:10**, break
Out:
**6:05**
